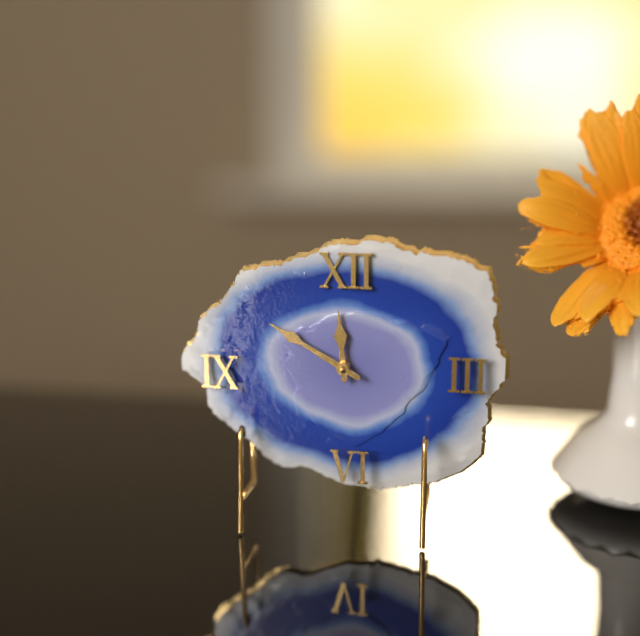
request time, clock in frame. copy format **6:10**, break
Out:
**11:50**
